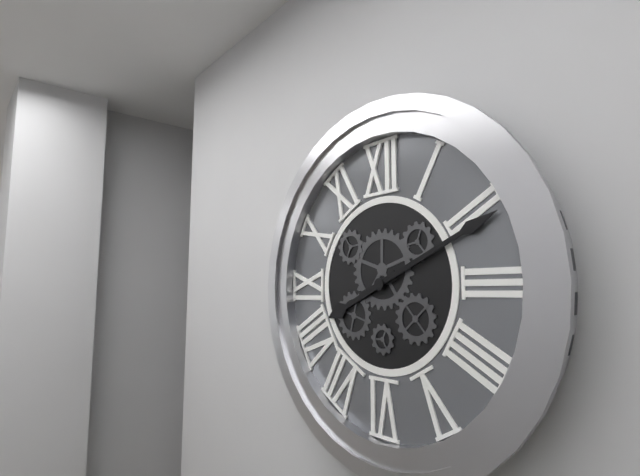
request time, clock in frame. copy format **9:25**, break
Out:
**8:11**
